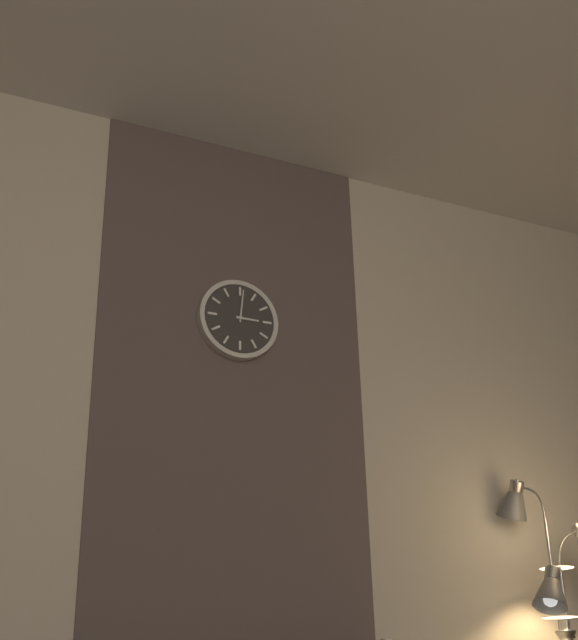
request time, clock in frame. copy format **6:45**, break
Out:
**3:01**
